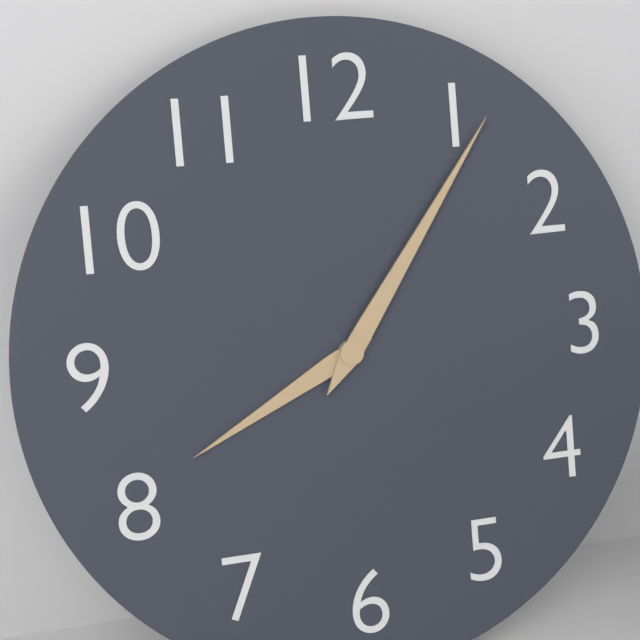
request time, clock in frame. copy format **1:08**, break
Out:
**8:06**
